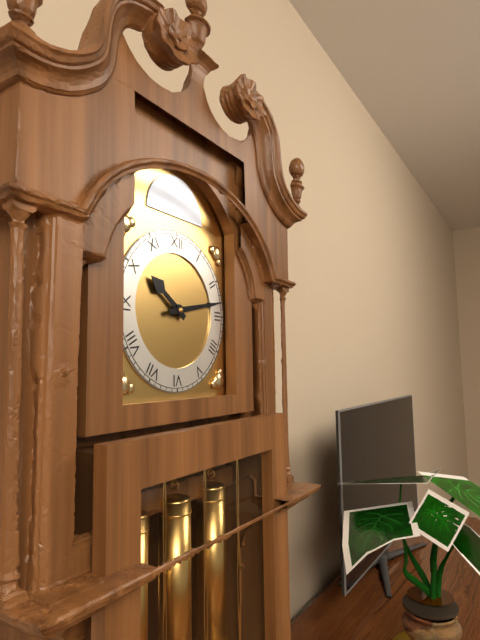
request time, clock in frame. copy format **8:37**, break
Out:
**10:13**
